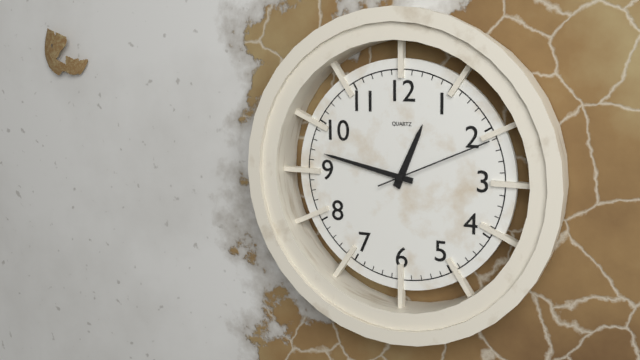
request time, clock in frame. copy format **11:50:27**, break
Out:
**12:47:11**
